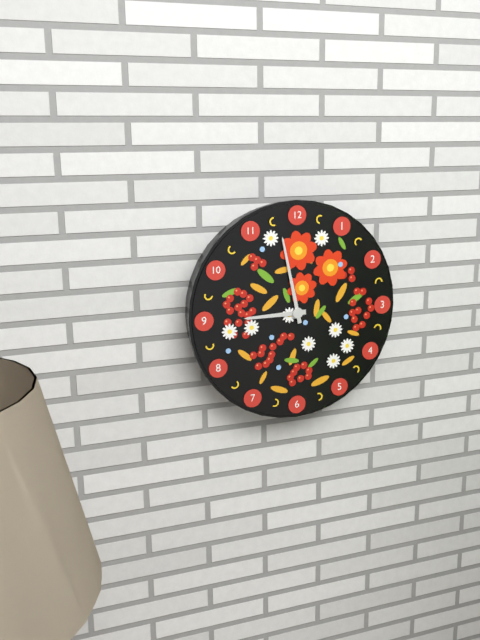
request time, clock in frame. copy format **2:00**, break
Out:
**8:58**
